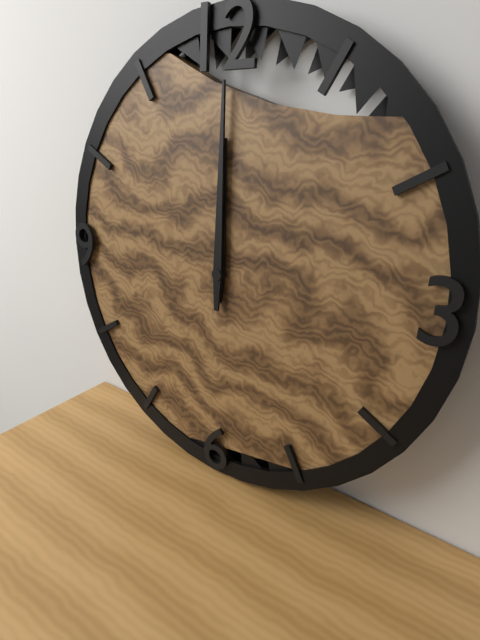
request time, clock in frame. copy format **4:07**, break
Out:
**12:00**
